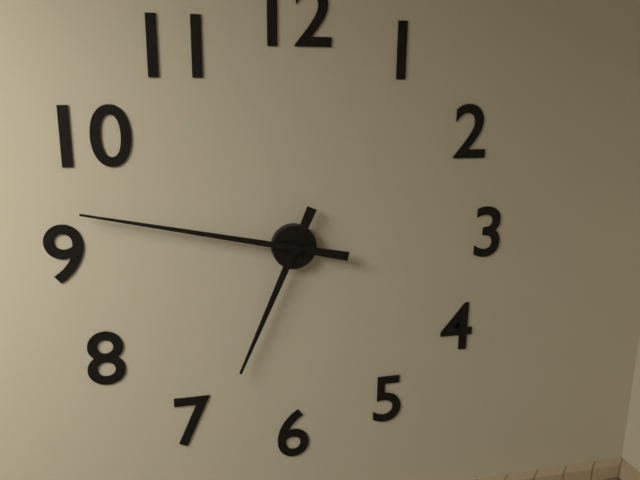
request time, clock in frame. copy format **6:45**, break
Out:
**6:47**
